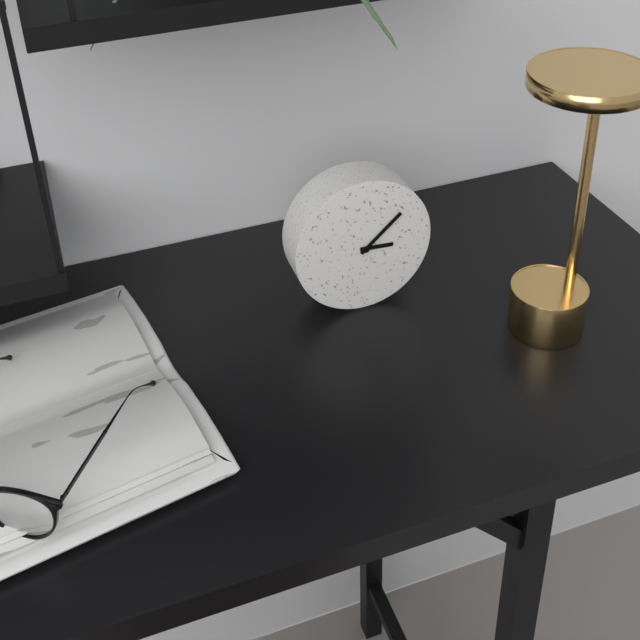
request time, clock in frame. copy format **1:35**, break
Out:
**3:08**
